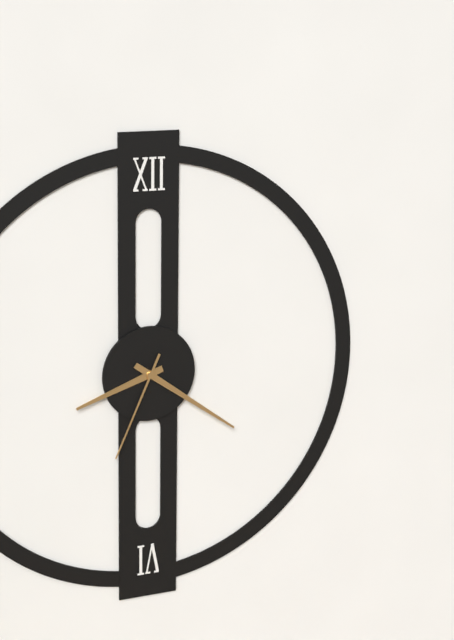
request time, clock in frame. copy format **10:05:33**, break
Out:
**8:21:34**
